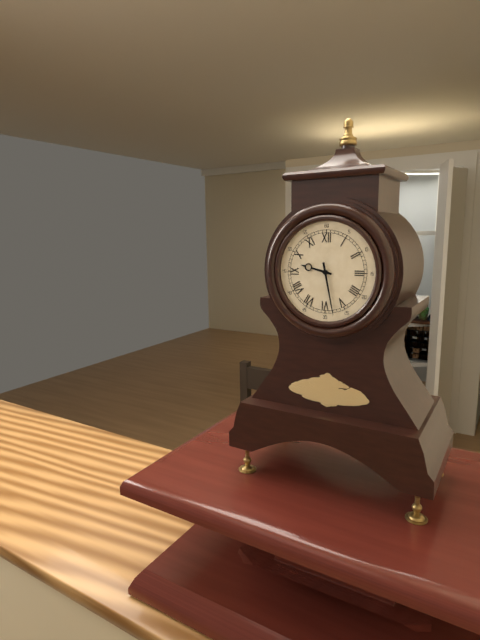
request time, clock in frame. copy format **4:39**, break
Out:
**9:28**
